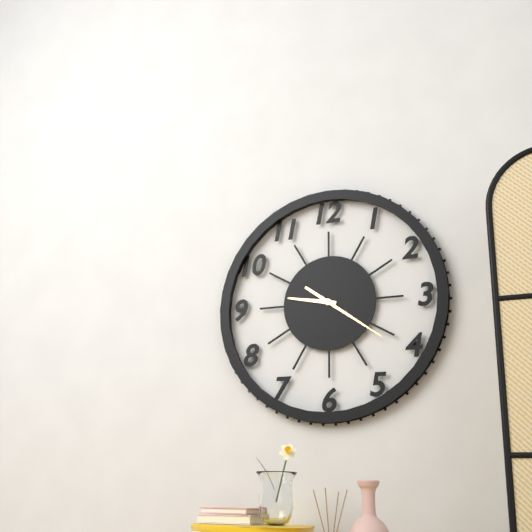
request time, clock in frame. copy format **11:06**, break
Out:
**9:21**
